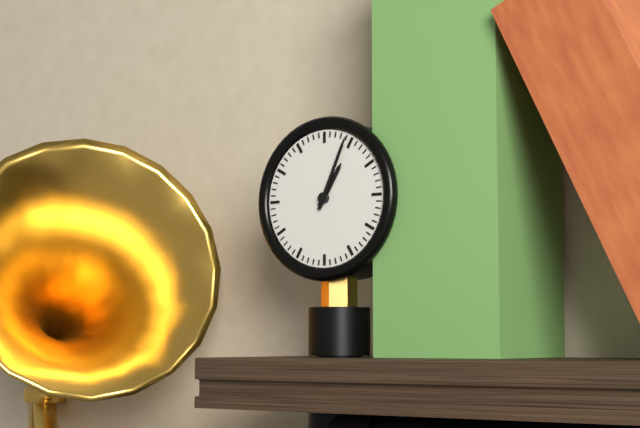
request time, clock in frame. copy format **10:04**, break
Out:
**1:04**
